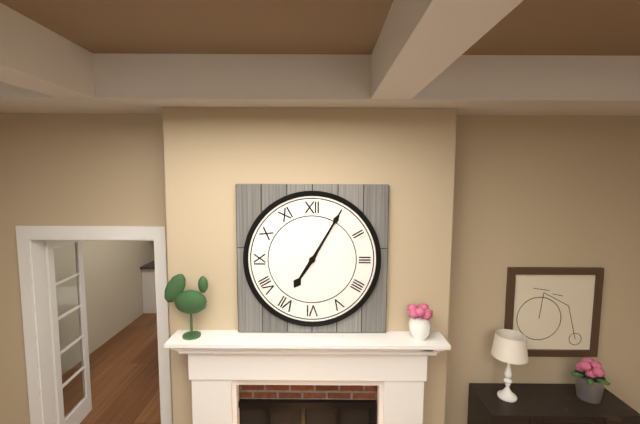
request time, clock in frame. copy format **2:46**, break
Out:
**7:05**
